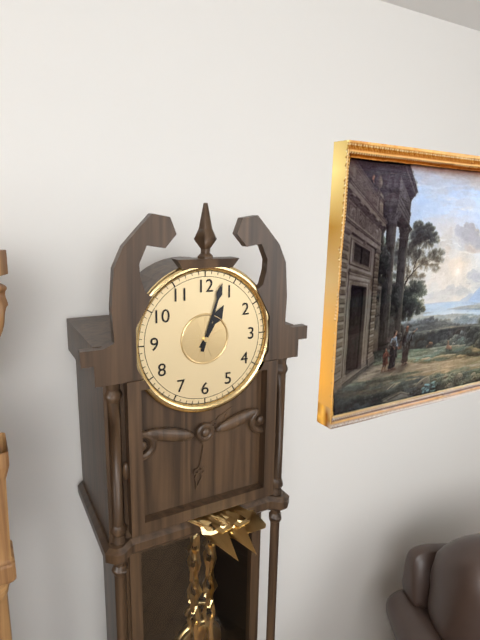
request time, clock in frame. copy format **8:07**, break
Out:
**1:03**
